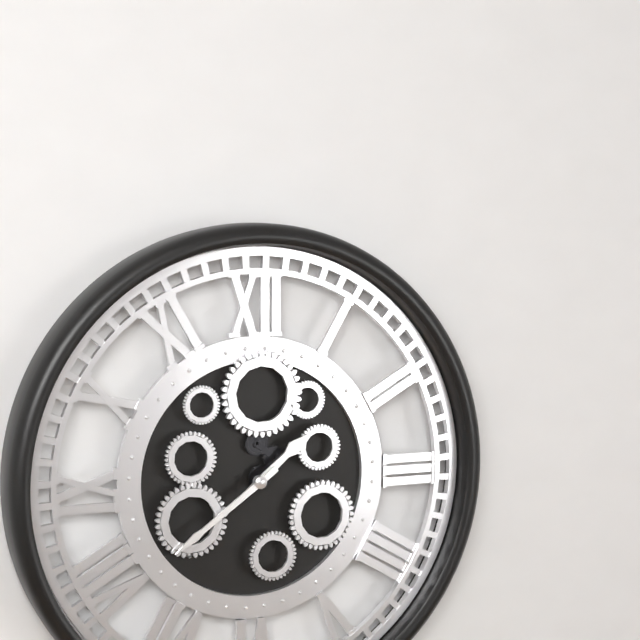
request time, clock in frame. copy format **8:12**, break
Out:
**1:39**
